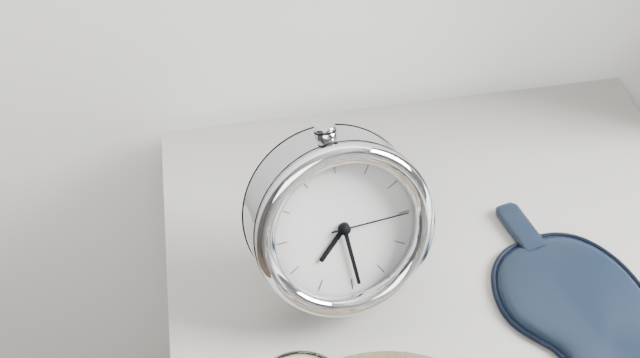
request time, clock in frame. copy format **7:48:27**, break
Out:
**7:29:15**
